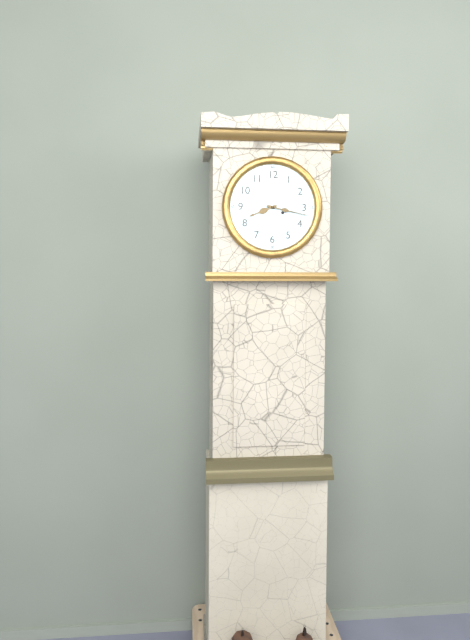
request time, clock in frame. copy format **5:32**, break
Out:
**8:17**
